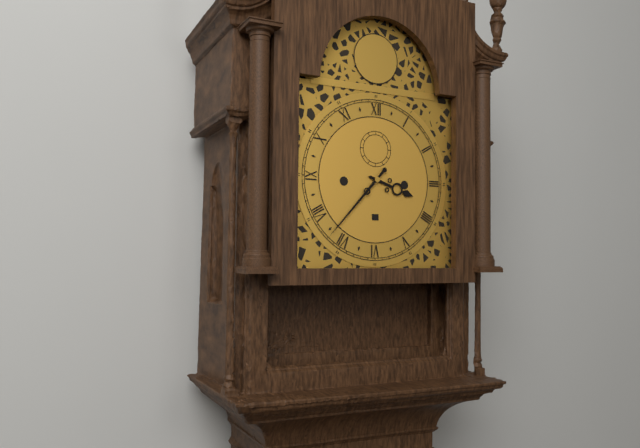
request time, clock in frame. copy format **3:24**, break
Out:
**3:37**
